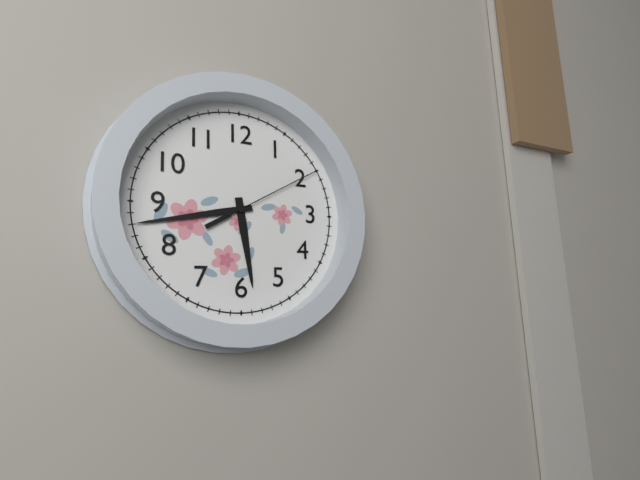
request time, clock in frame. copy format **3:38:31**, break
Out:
**5:43:10**
